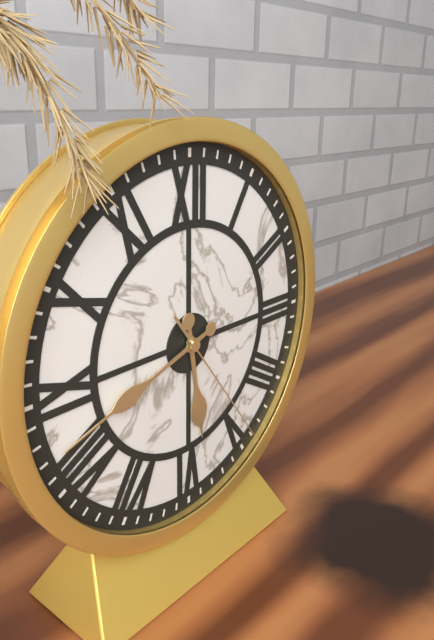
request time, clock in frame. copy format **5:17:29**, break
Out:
**5:42:24**
